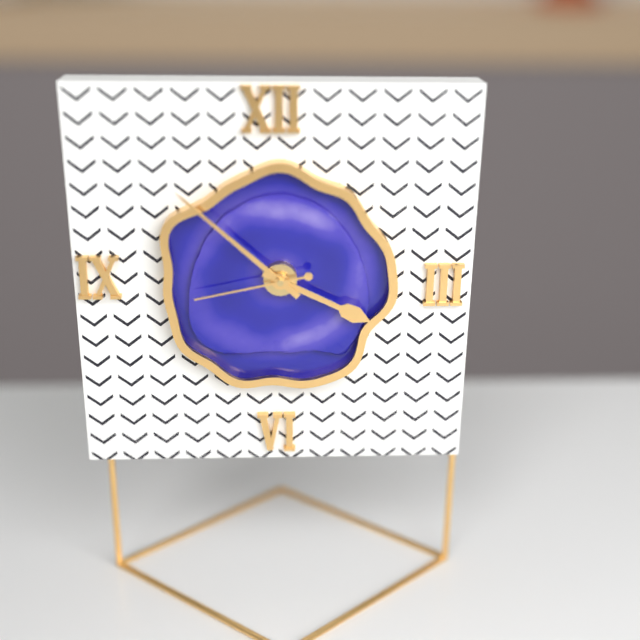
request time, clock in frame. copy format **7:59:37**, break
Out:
**3:52:43**
